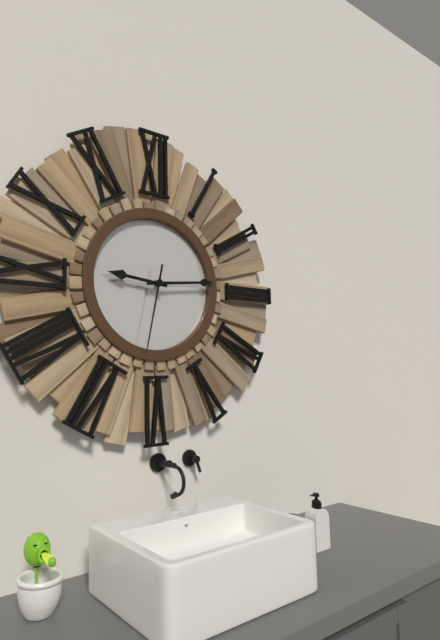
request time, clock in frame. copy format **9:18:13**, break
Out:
**9:14:32**
